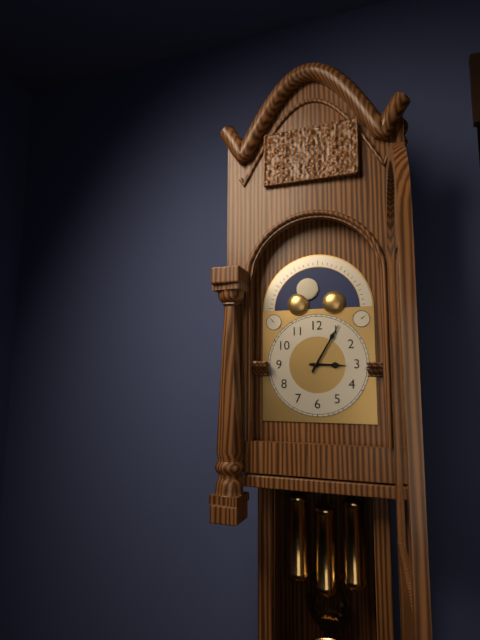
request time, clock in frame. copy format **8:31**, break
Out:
**3:05**
